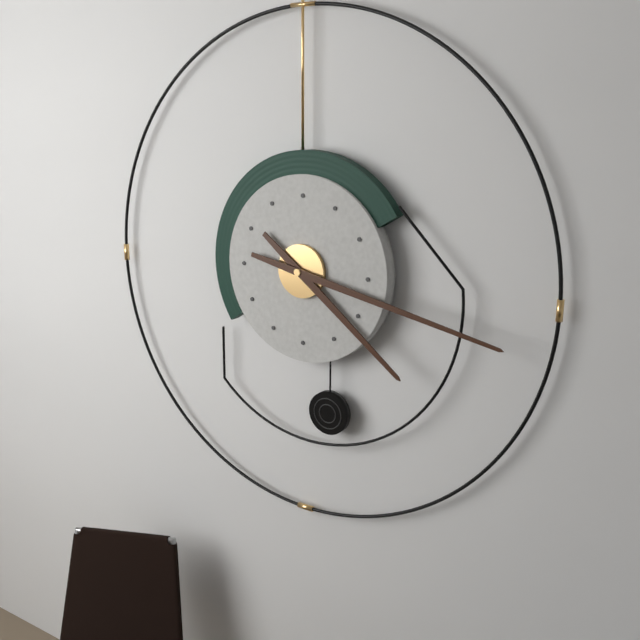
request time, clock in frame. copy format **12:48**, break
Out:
**4:17**
